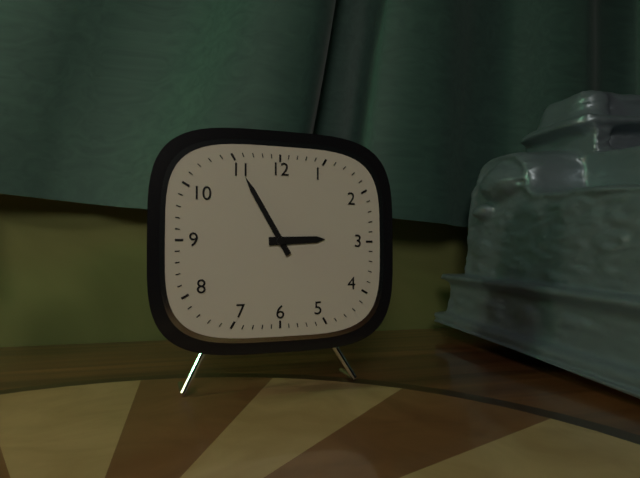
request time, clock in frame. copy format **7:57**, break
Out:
**2:55**
